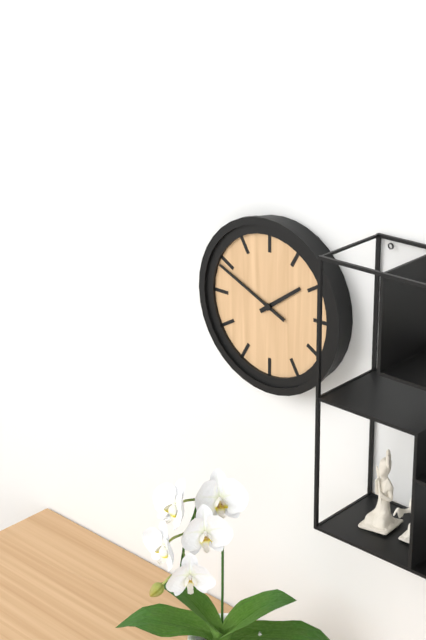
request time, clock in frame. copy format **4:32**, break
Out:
**1:49**
